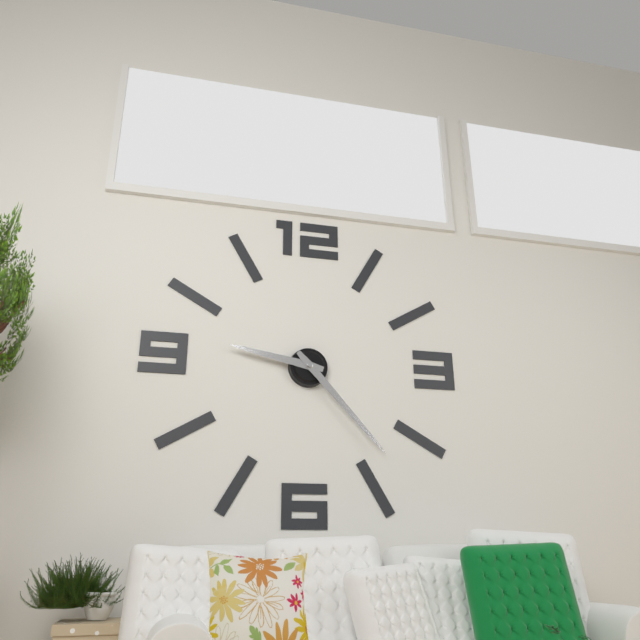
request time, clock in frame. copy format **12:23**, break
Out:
**9:23**
